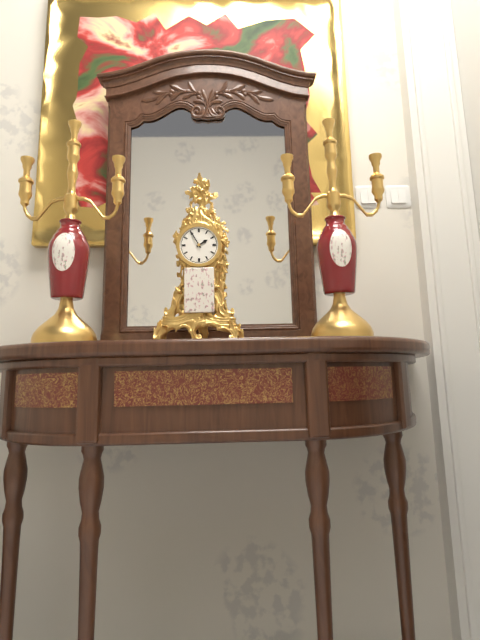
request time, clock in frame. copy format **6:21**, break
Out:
**1:55**
